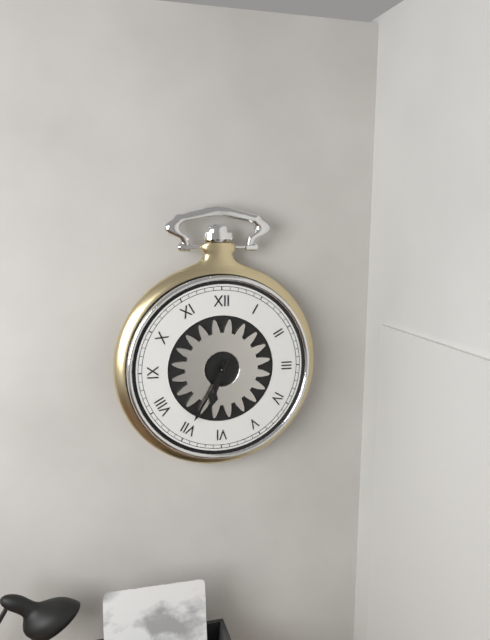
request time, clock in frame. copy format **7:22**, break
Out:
**6:35**
